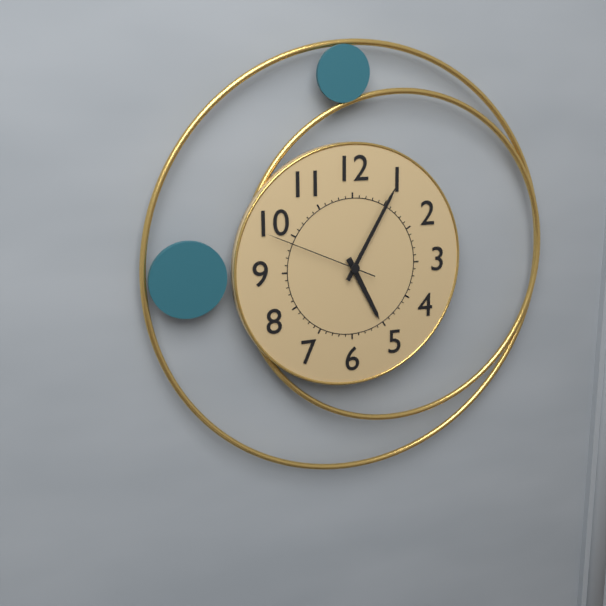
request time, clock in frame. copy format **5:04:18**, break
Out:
**5:05:49**
